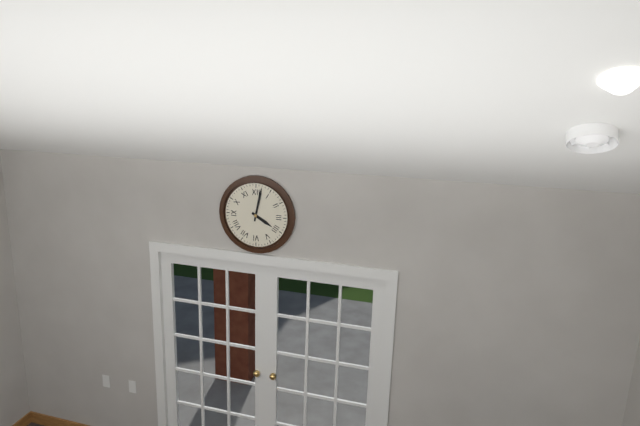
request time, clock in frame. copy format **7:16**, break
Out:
**4:02**
